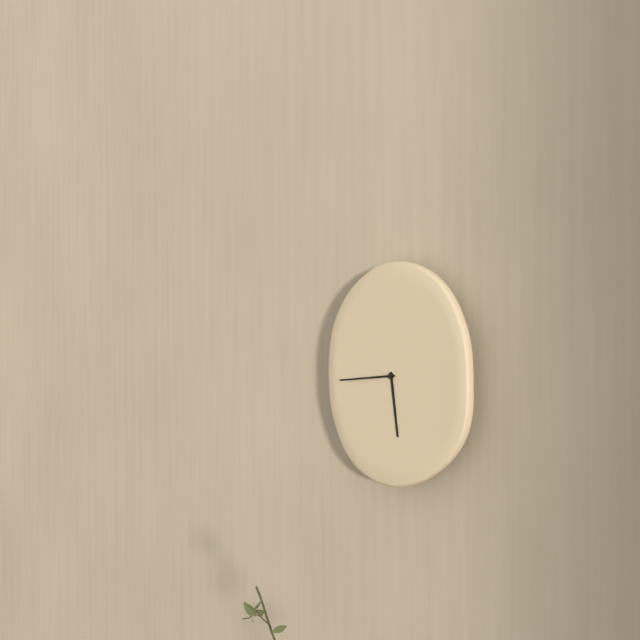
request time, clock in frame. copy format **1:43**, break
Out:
**5:44**
